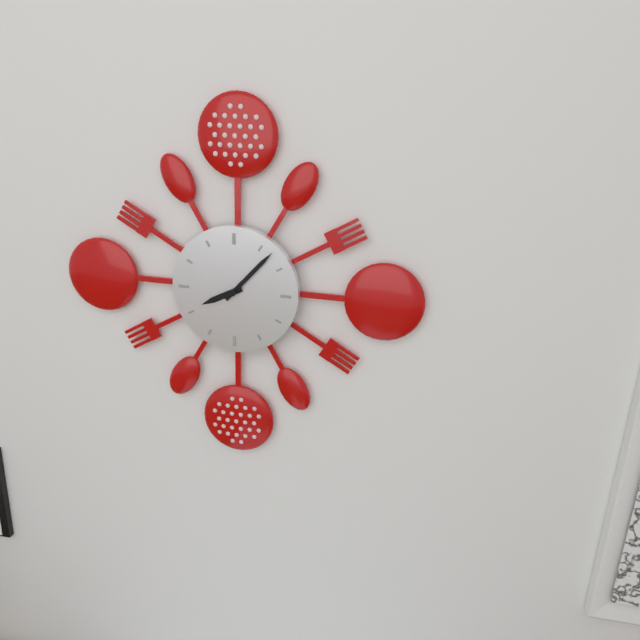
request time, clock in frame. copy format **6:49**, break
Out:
**8:07**
